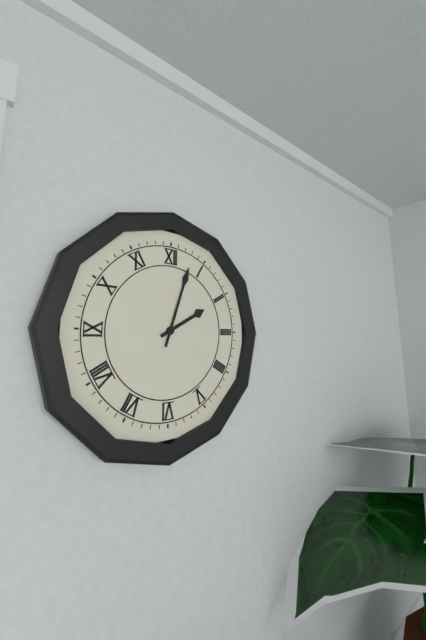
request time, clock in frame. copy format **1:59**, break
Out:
**2:03**
